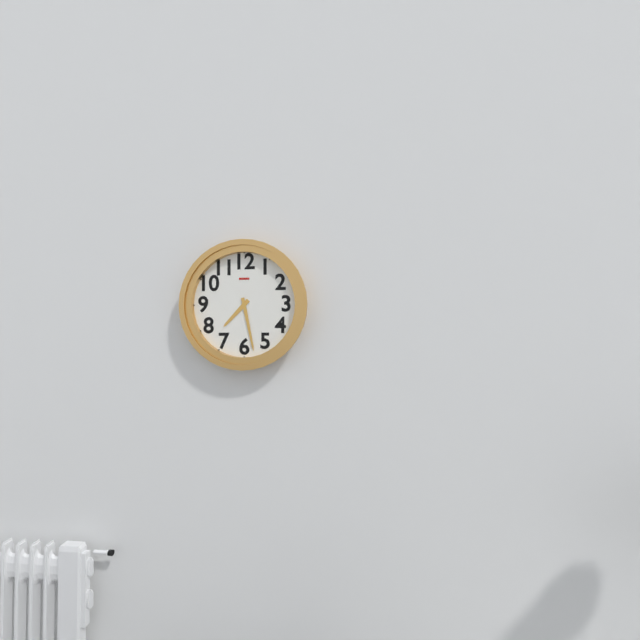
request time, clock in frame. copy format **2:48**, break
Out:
**7:28**
